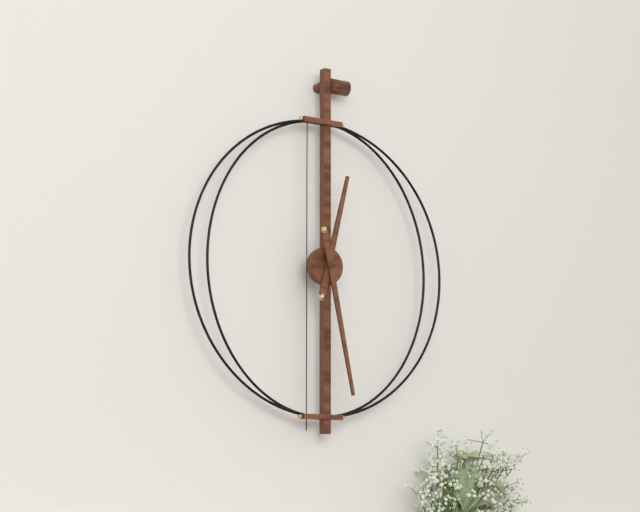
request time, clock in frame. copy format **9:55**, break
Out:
**12:28**
